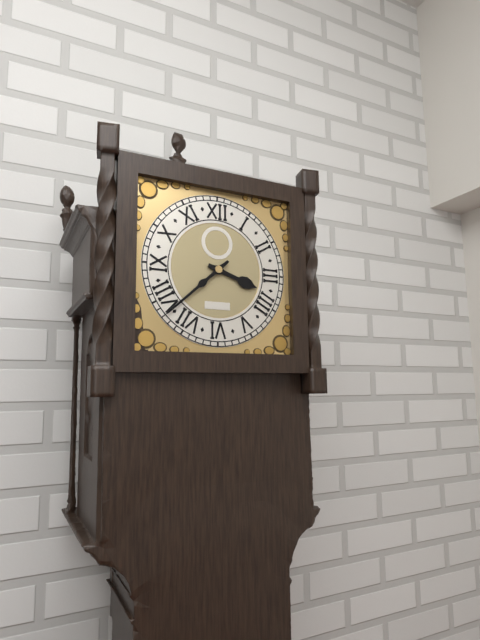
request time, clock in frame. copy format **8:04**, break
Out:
**3:38**
